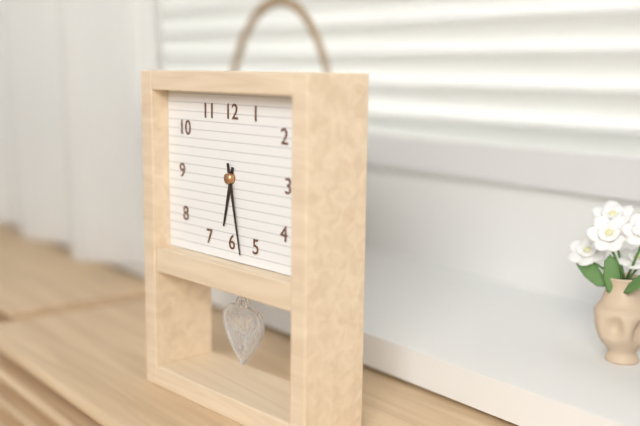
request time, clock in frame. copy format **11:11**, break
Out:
**6:28**
